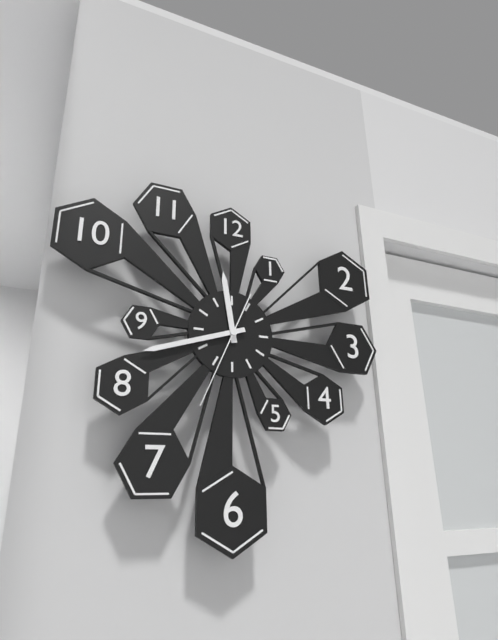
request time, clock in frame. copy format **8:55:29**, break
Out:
**11:42:34**
